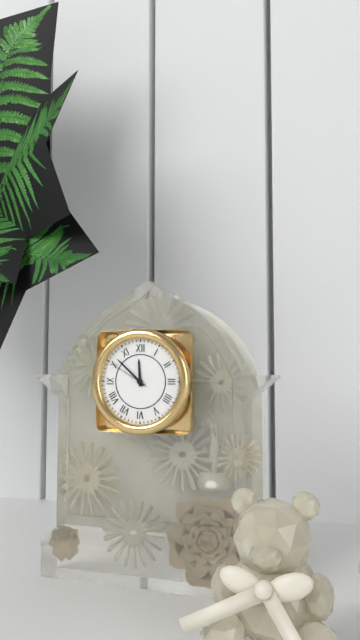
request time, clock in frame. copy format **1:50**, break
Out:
**11:52**
